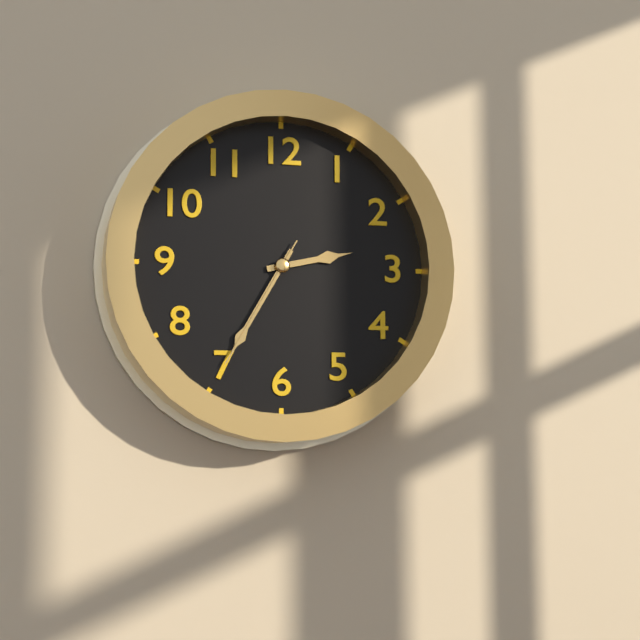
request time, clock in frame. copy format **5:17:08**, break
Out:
**2:35:35**
